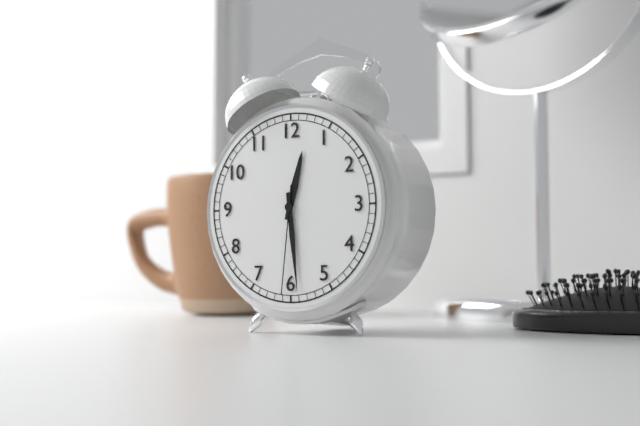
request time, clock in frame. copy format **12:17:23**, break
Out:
**12:29:31**
